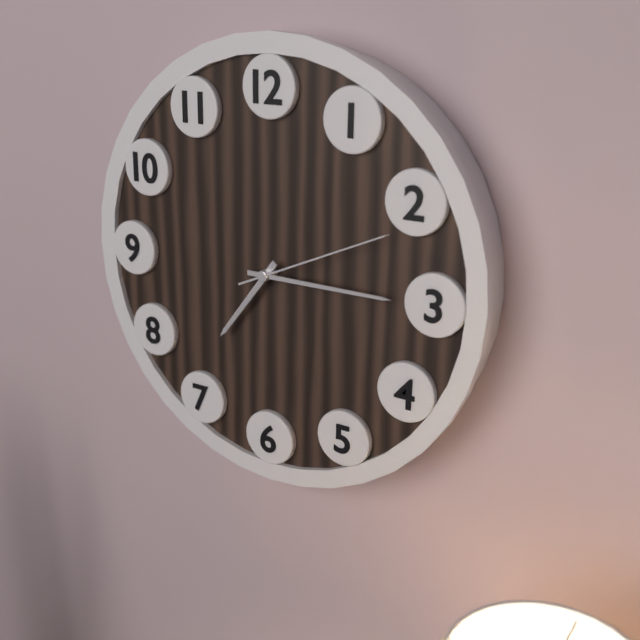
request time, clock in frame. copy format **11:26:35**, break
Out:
**7:15:11**
